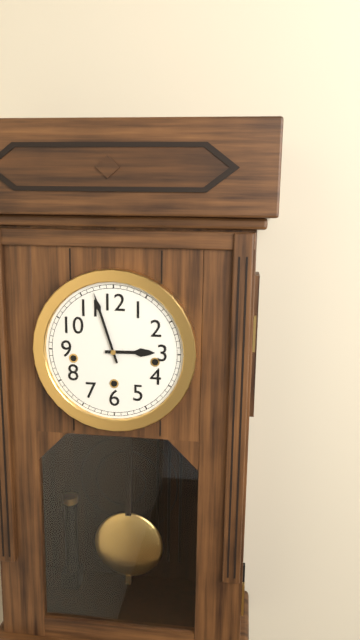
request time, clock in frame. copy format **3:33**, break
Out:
**2:57**
